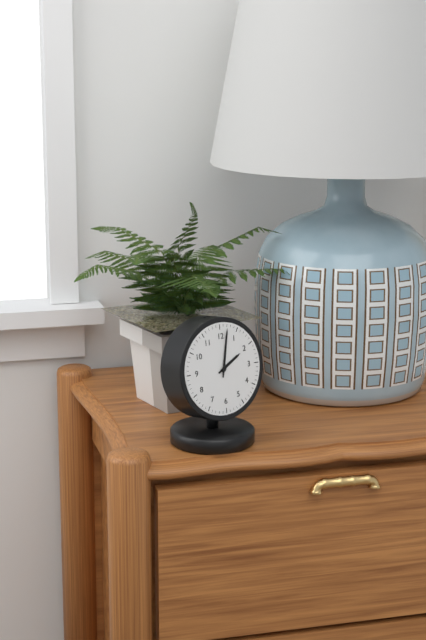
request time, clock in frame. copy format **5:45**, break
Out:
**2:02**
